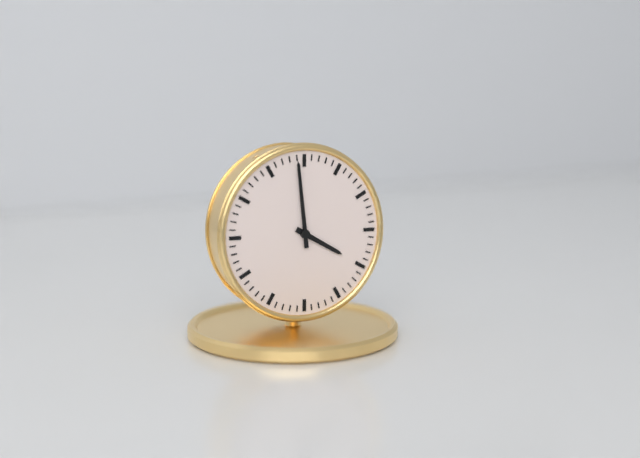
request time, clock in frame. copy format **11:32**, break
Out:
**3:59**
